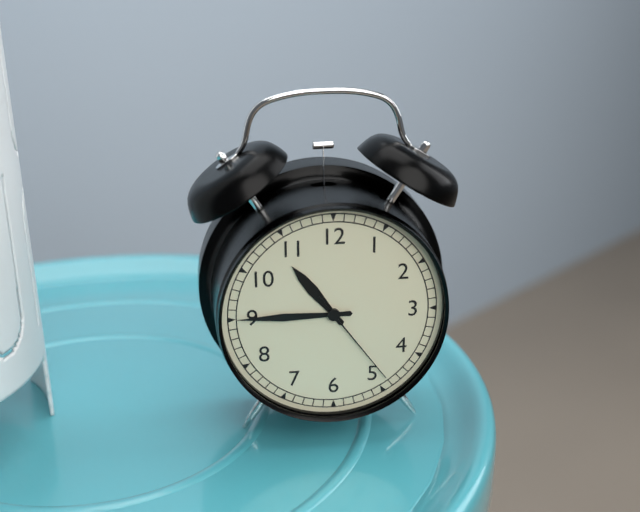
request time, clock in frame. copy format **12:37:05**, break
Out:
**10:45:24**
